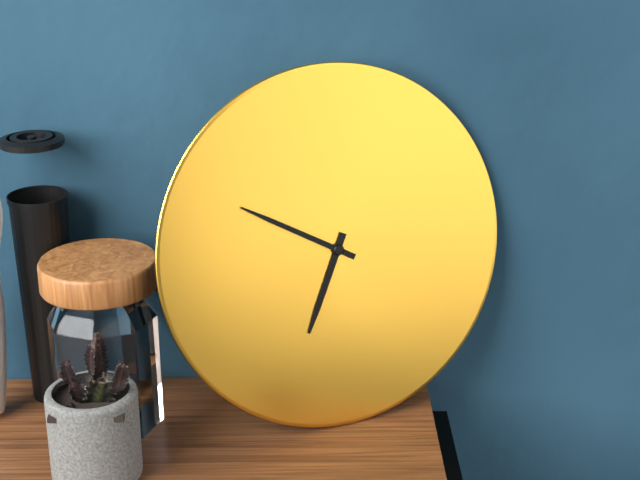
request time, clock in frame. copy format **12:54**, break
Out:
**6:50**
